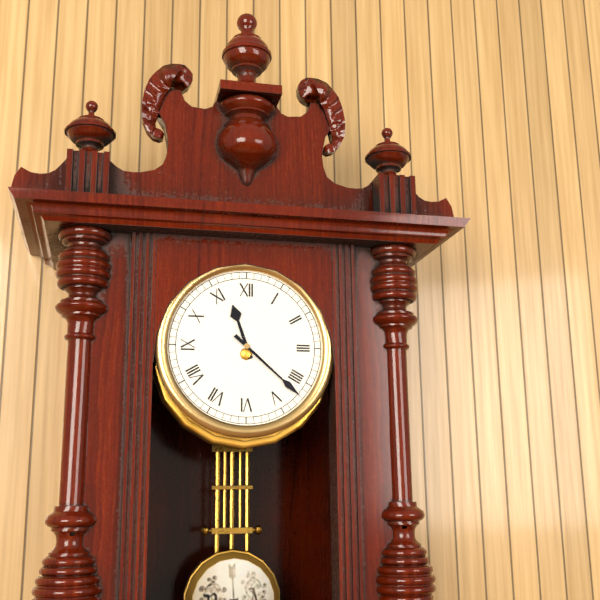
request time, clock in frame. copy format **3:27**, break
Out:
**11:22**
